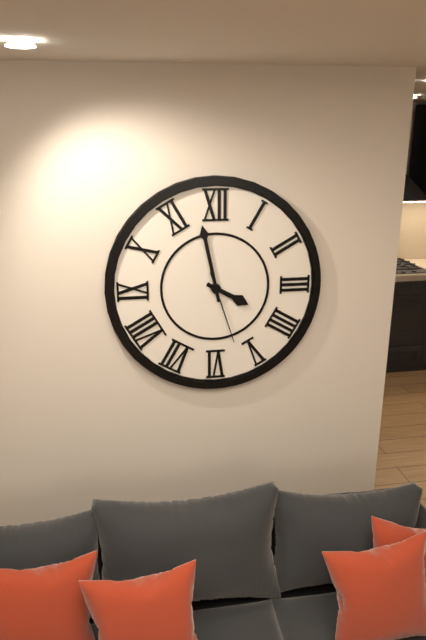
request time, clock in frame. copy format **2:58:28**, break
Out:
**3:58:27**
